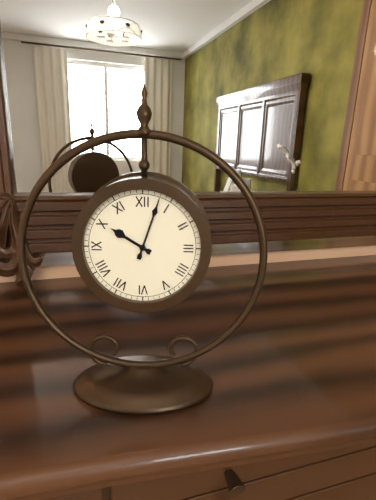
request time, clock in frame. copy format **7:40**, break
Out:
**10:03**
